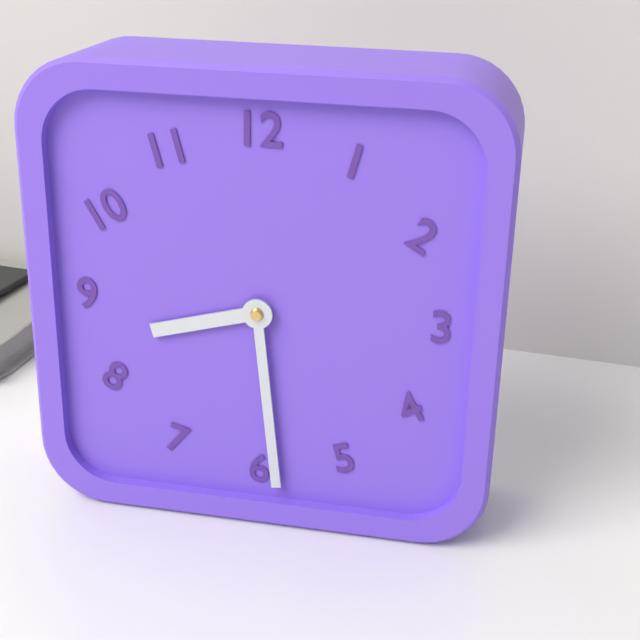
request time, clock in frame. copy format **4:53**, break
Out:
**8:29**
